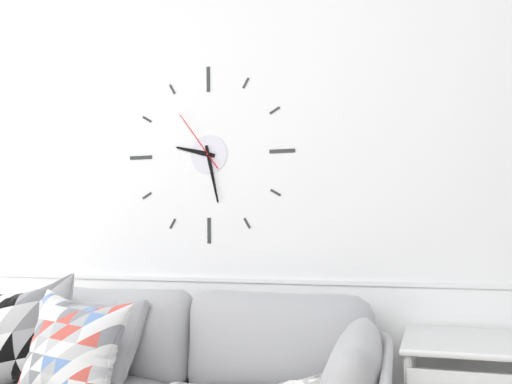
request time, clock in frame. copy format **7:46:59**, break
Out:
**9:28:54**
